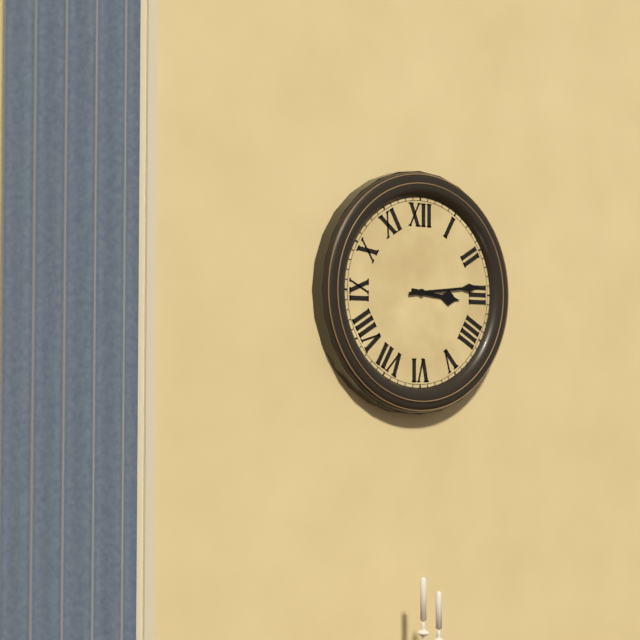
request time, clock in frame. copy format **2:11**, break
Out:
**3:14**
